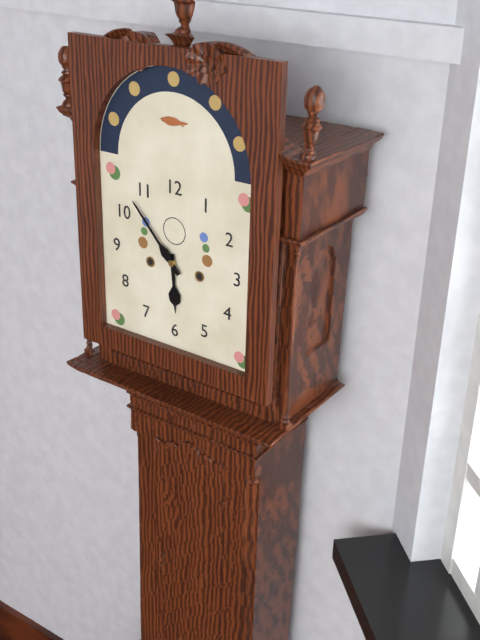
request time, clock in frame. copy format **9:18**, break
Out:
**5:53**
